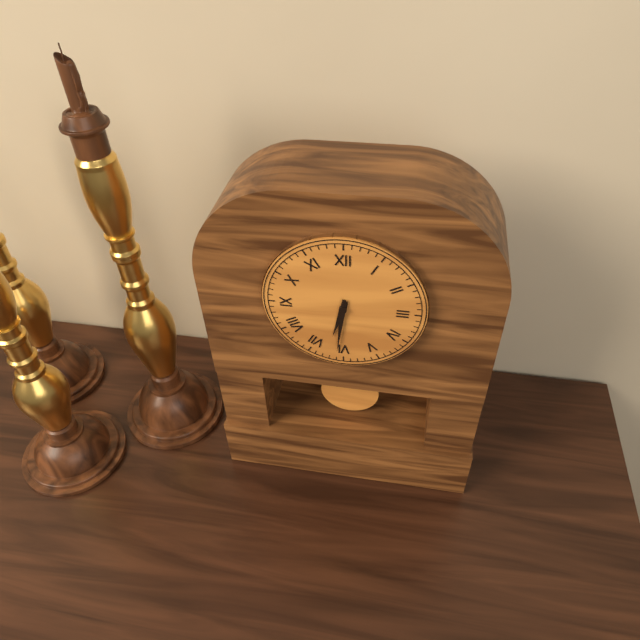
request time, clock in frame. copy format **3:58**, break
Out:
**6:31**
